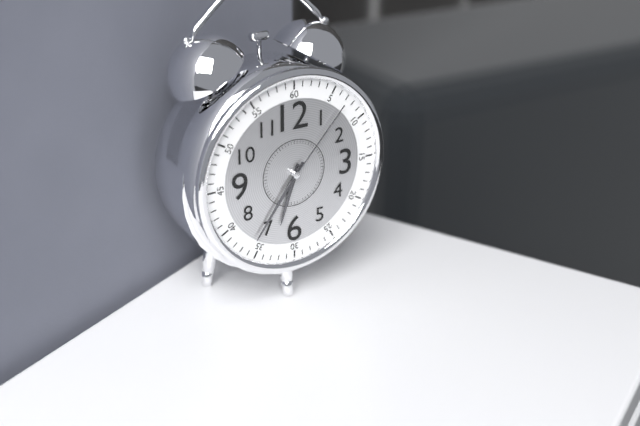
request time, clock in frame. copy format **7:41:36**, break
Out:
**6:36:07**
